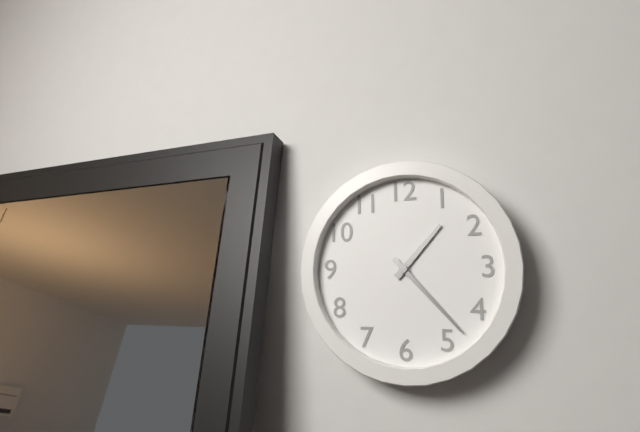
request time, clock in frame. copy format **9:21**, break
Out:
**1:23**
